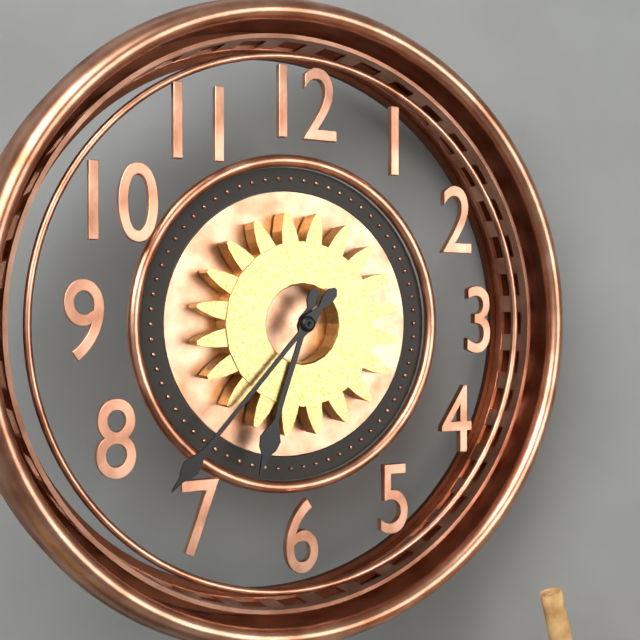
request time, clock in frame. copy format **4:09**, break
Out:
**6:37**
